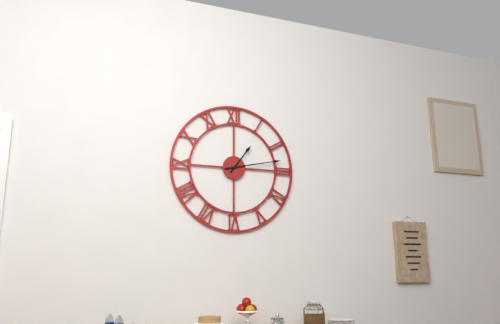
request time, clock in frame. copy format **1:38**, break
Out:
**1:13**
